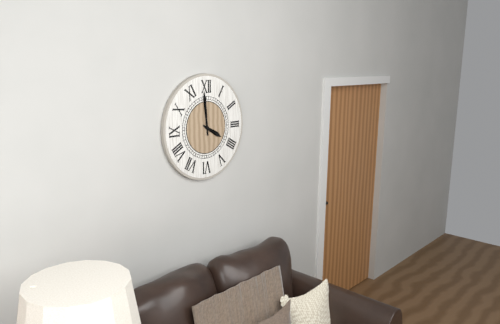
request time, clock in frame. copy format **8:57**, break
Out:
**3:59**
